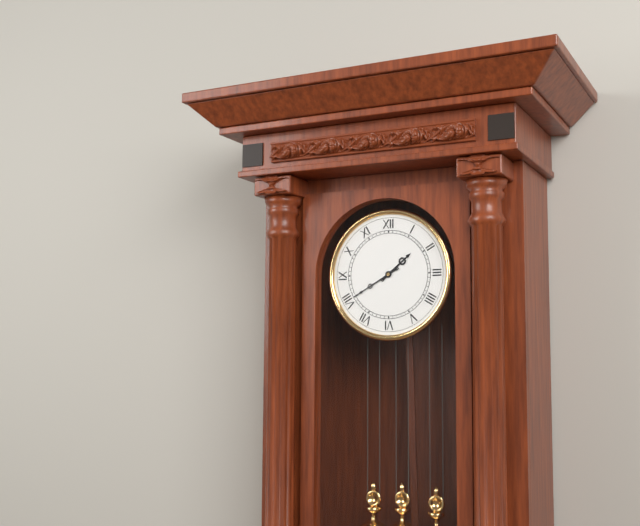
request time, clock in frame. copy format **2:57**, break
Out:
**1:40**
